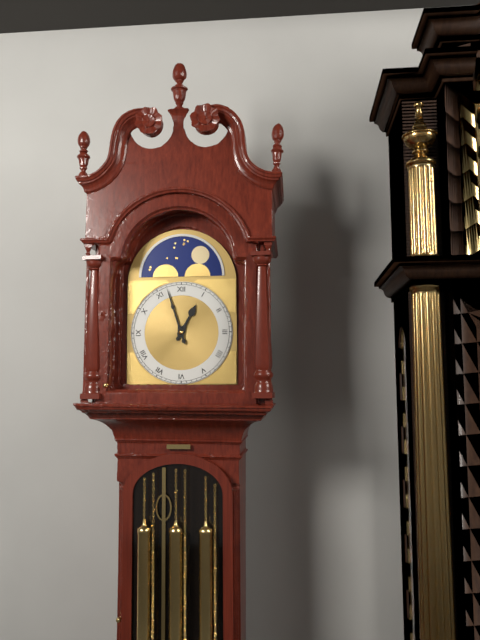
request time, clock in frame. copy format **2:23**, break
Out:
**12:57**
